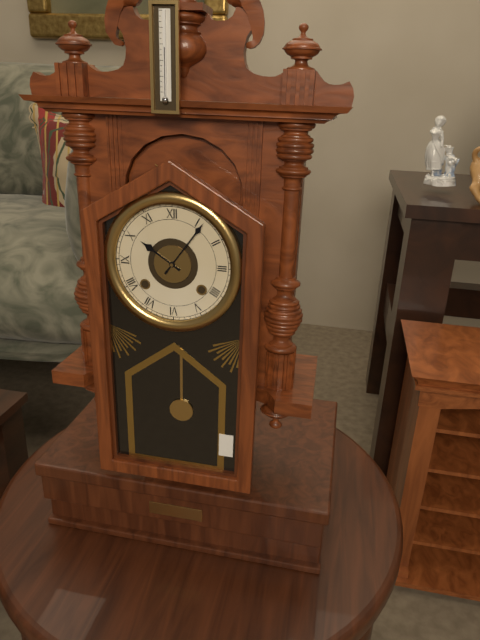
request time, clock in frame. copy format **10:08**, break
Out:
**10:06**
